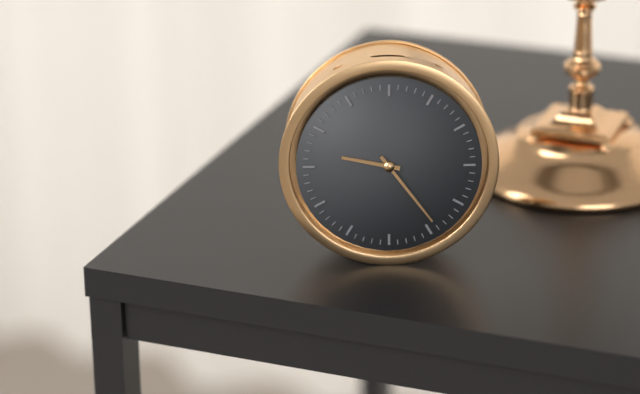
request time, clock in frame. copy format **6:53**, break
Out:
**9:24**
